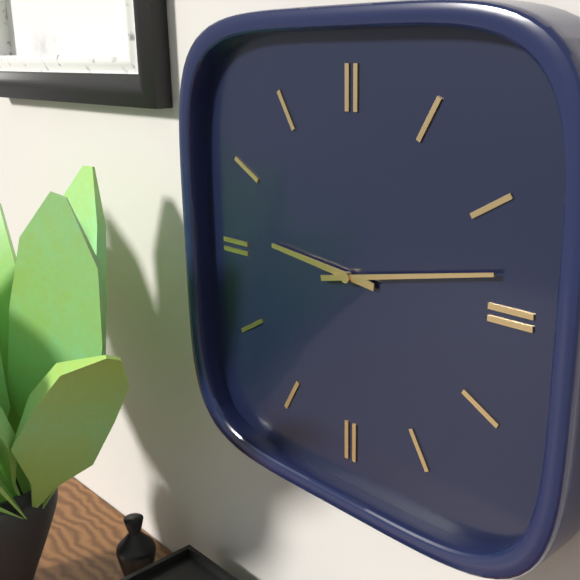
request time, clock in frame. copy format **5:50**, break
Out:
**9:13**
